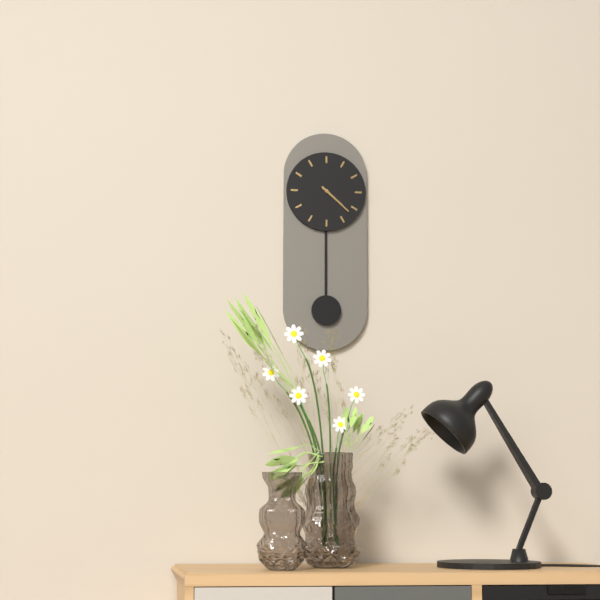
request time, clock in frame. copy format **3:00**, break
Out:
**4:22**
